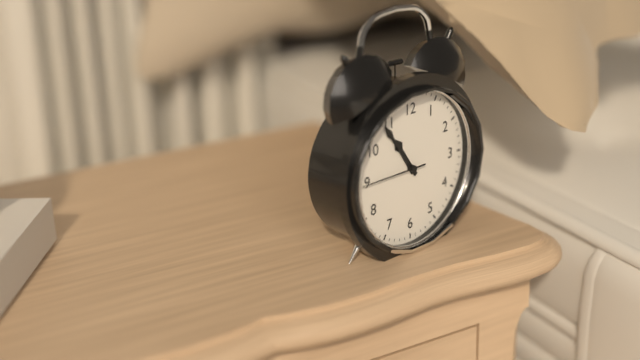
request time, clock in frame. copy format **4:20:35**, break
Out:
**10:54:45**
